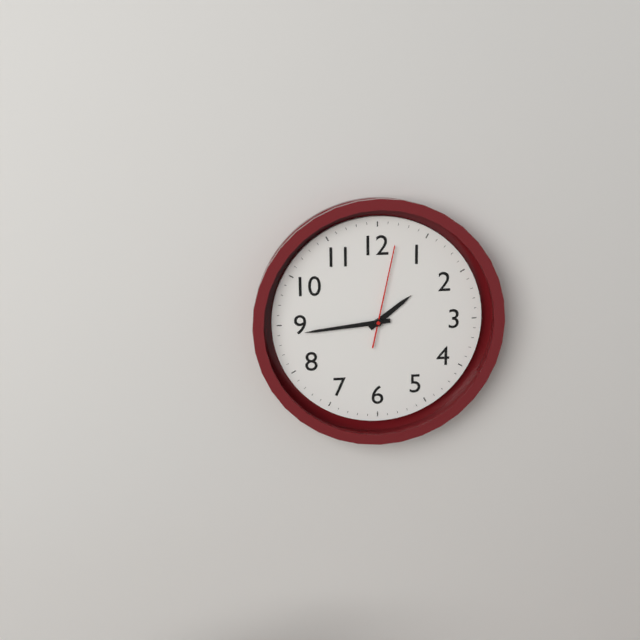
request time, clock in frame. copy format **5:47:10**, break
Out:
**1:44:02**
